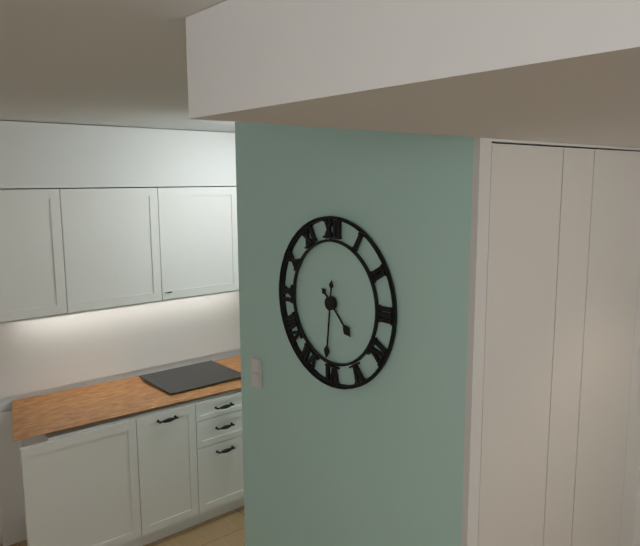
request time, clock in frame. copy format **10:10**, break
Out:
**4:31**
